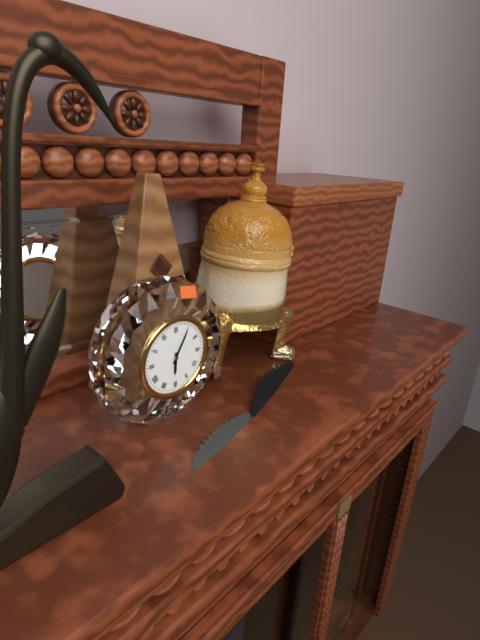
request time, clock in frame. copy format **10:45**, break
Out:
**6:05**
